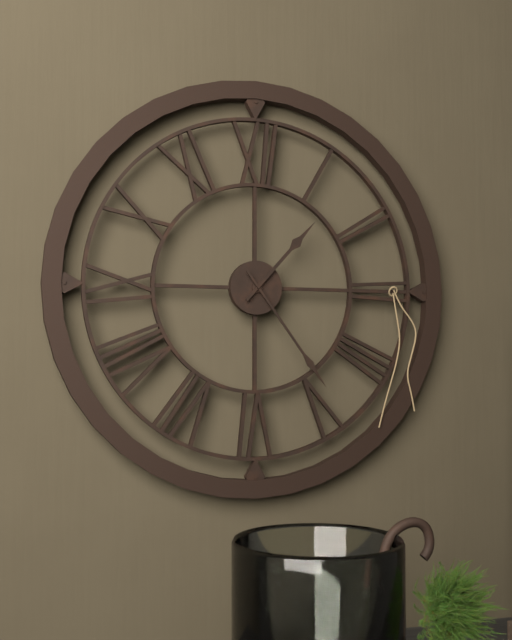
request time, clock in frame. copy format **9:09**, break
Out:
**1:24**
